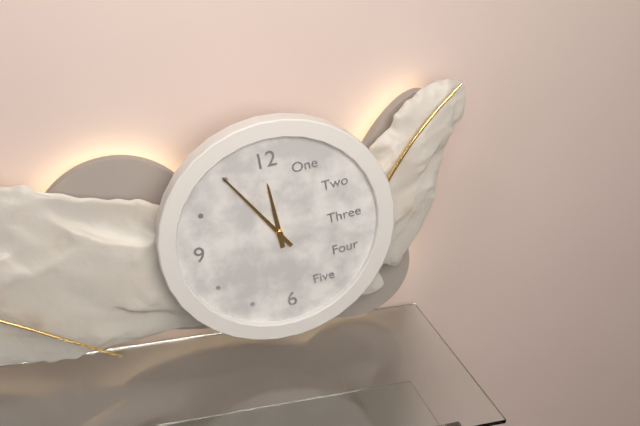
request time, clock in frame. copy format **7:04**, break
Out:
**11:55**
